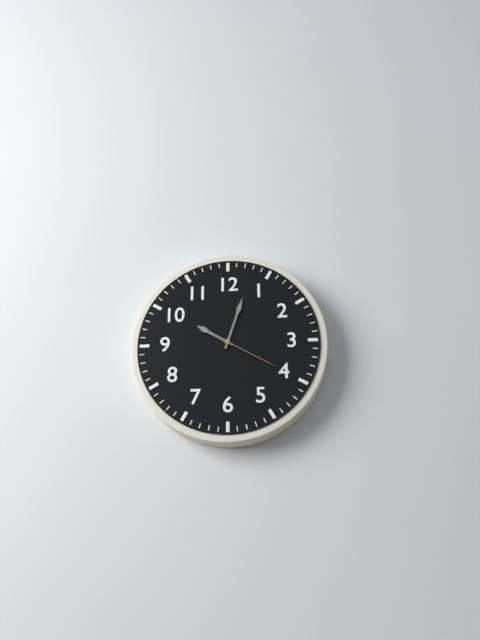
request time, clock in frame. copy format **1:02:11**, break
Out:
**10:03:20**
